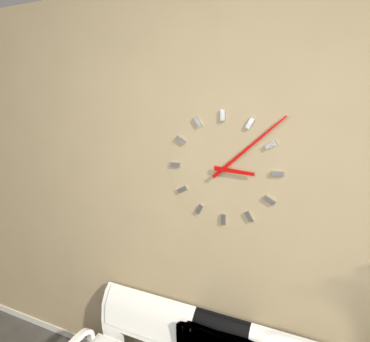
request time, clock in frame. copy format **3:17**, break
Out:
**3:08**
